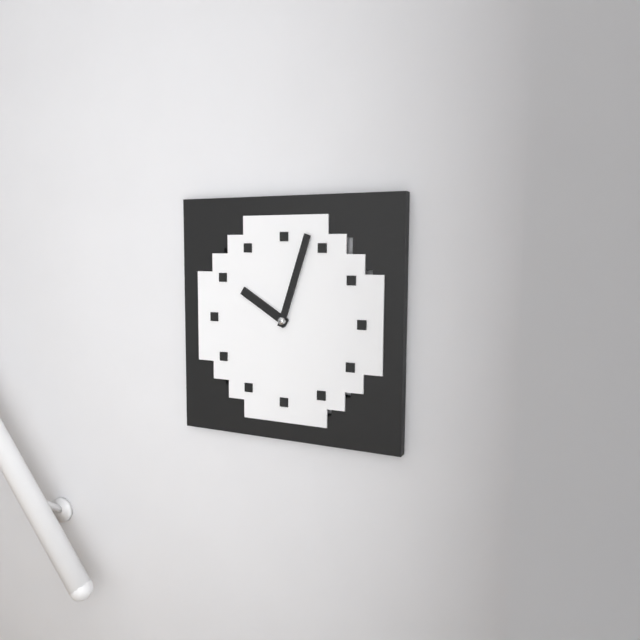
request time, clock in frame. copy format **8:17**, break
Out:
**10:03**
